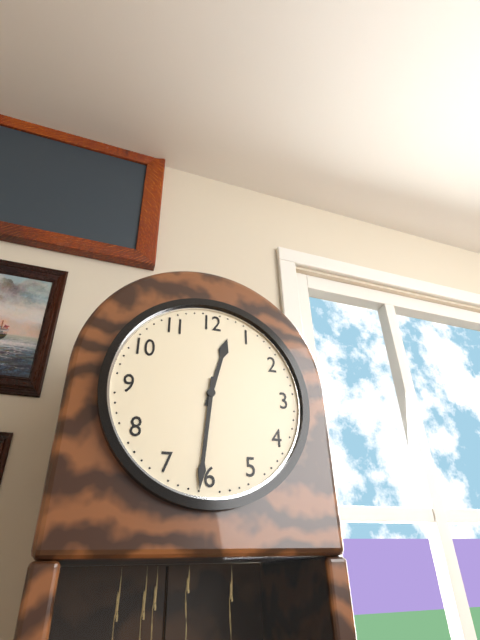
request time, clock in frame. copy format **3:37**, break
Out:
**12:31**
